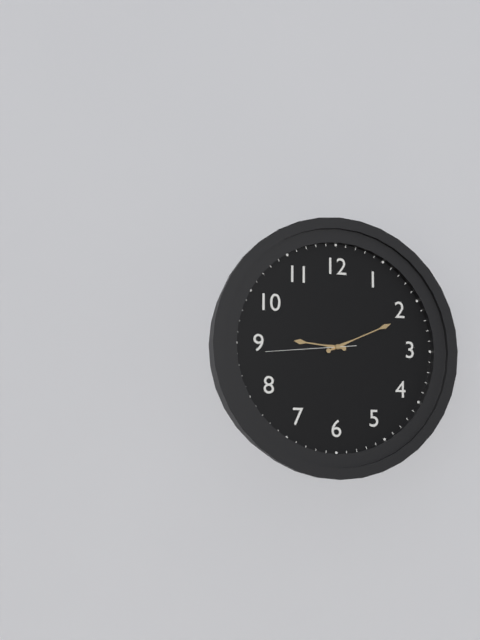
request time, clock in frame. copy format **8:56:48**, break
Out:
**9:11:44**
